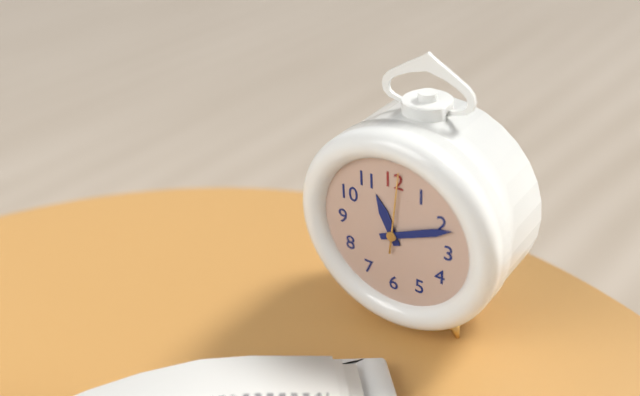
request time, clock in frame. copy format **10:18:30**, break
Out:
**11:11:01**
